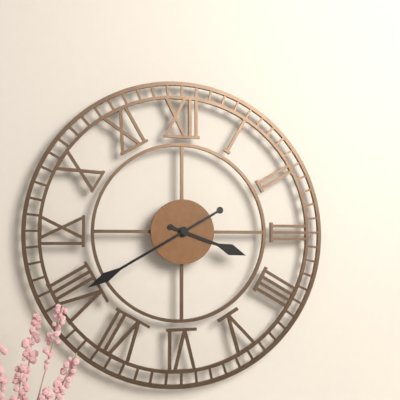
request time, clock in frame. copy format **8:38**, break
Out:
**3:40**
